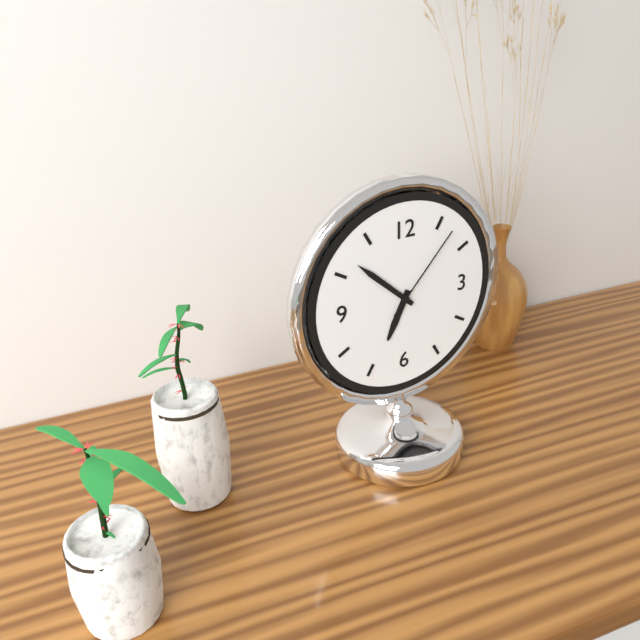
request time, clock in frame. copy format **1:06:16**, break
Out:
**6:52:07**
